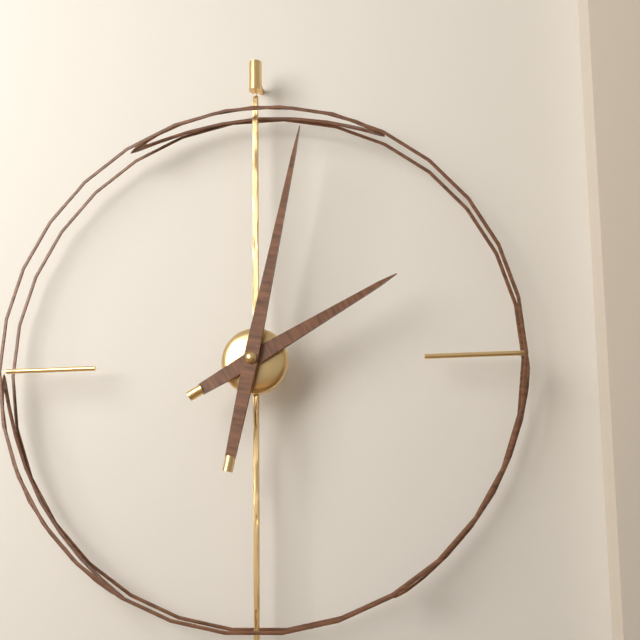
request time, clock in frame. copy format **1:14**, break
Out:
**2:02**
